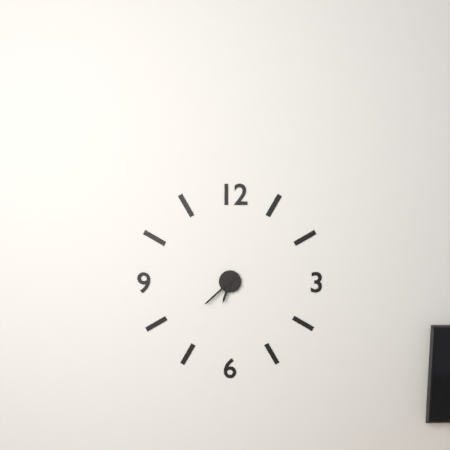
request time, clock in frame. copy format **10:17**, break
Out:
**6:38**
